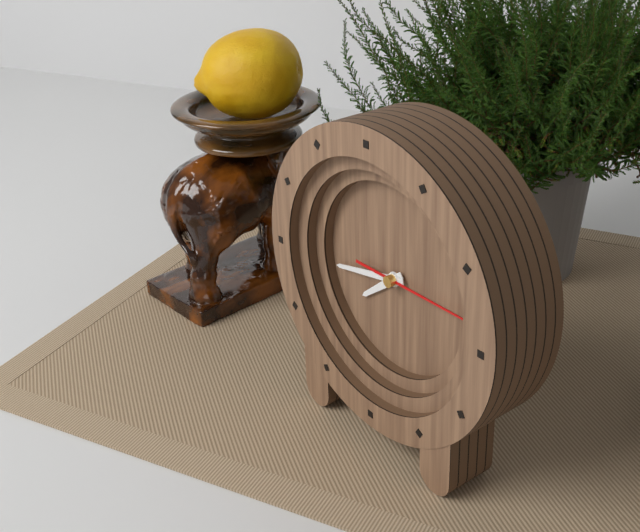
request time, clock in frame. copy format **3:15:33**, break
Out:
**7:43:15**
